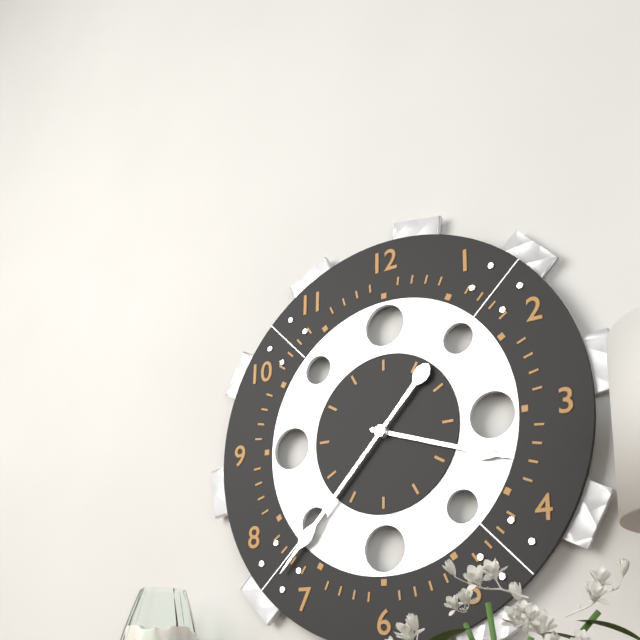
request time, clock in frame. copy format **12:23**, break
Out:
**3:37**
